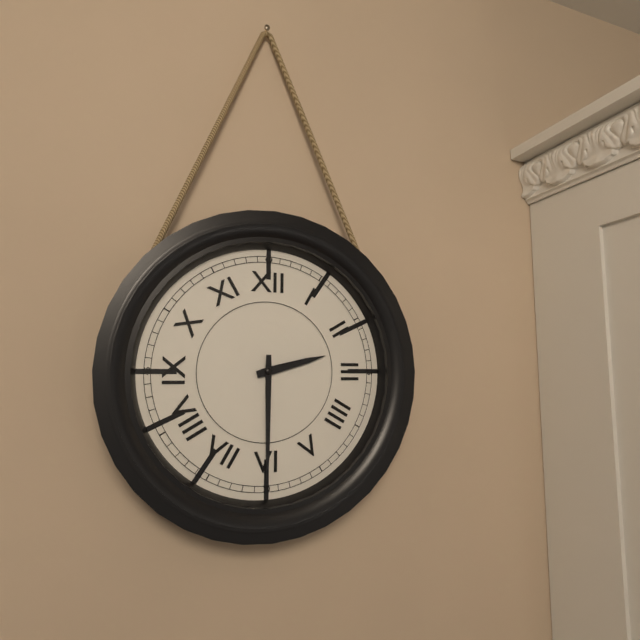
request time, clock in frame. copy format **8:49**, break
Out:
**2:30**
